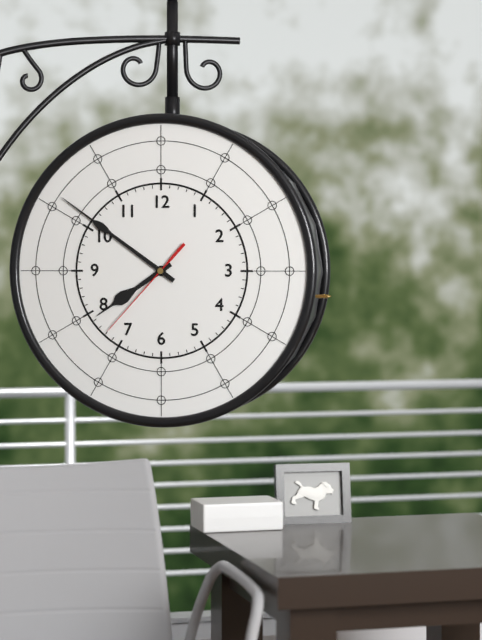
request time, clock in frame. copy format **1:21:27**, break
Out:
**7:51:37**
